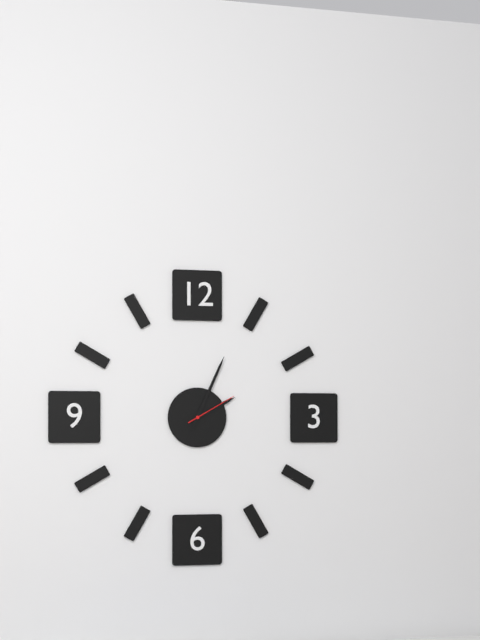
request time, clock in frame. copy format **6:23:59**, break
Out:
**2:04:10**
